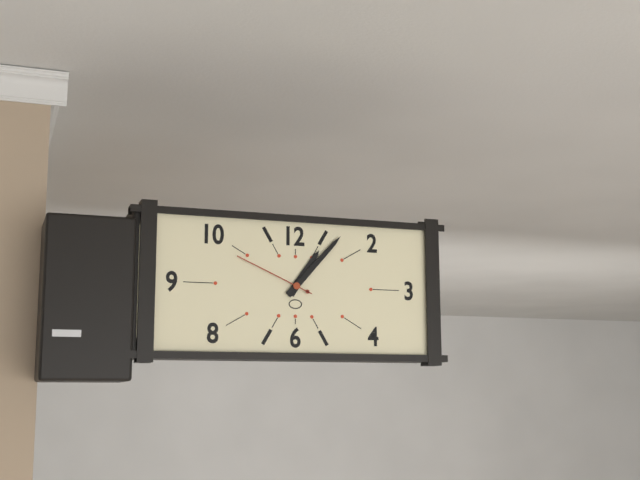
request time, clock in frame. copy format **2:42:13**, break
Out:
**1:07:49**
